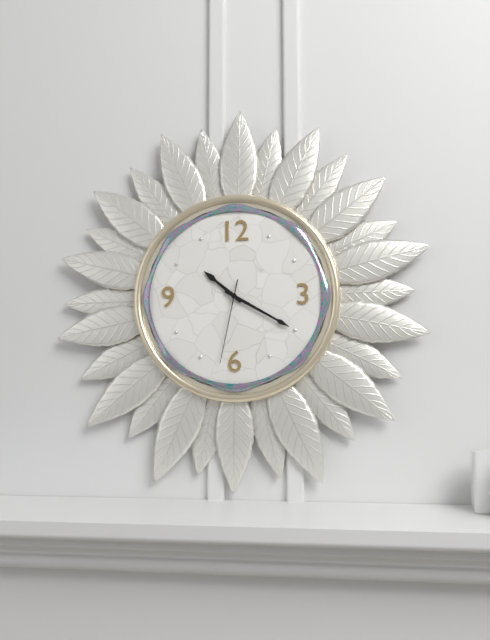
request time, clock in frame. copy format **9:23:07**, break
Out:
**10:20:32**
